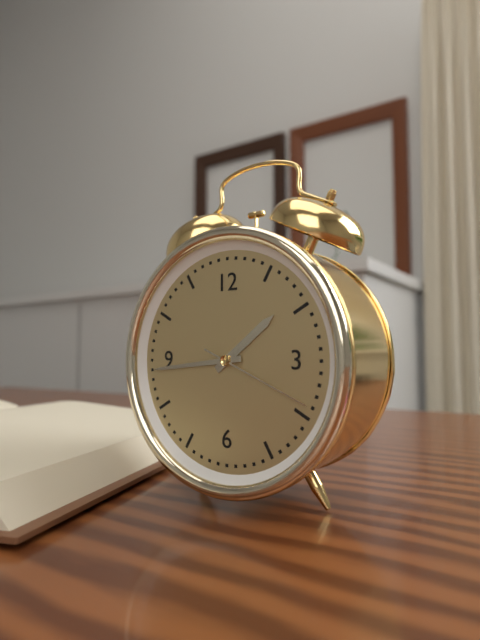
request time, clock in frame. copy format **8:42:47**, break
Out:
**1:44:19**
